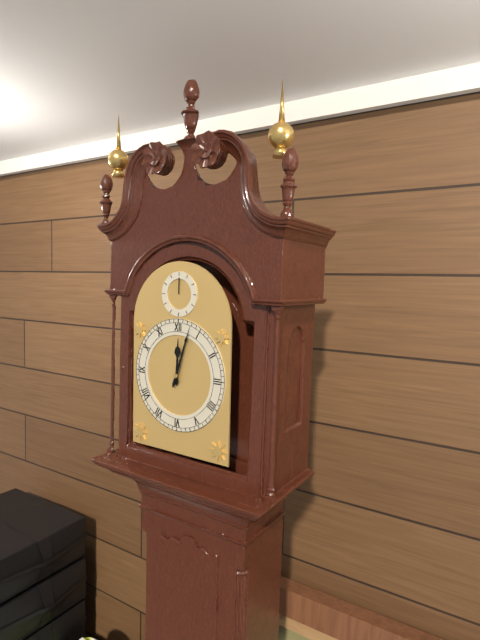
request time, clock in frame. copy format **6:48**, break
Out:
**12:03**
